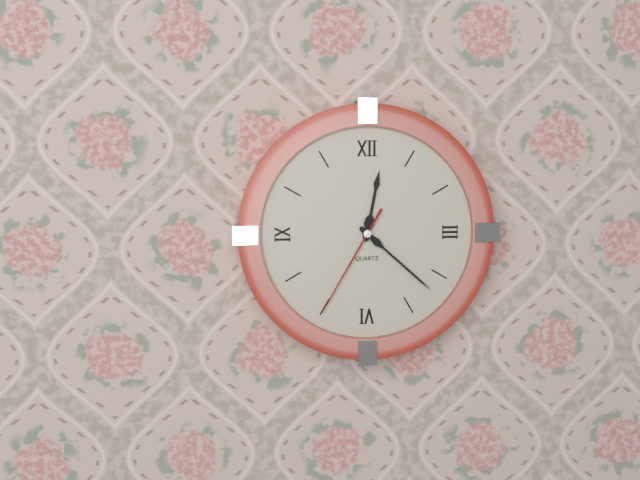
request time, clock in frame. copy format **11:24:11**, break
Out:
**12:22:35**
